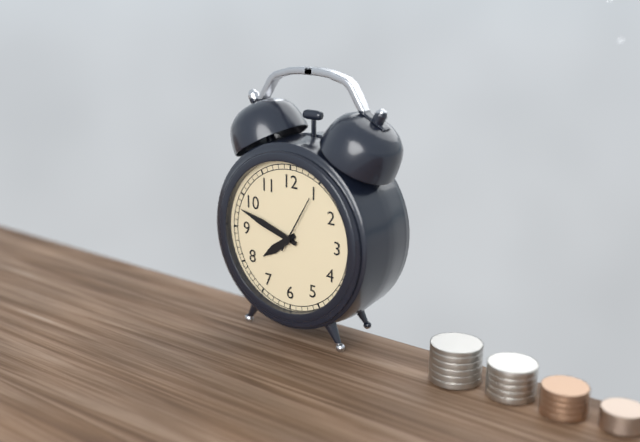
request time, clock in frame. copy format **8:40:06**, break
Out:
**7:48:05**
